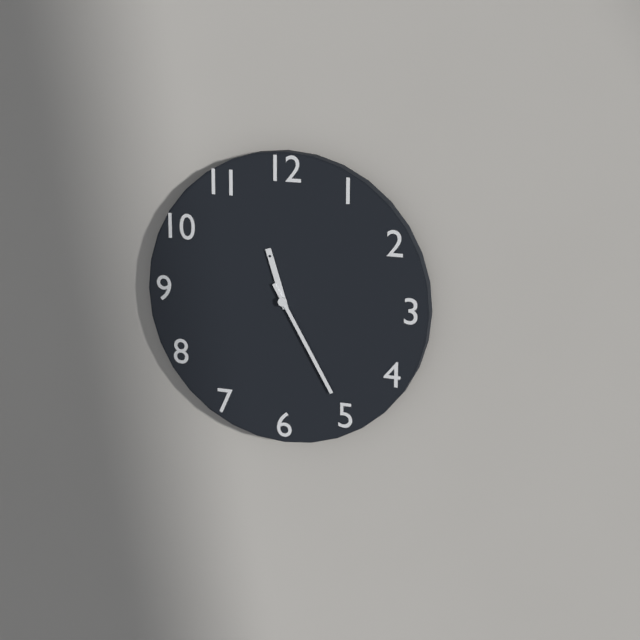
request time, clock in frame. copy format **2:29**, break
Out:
**11:25**
